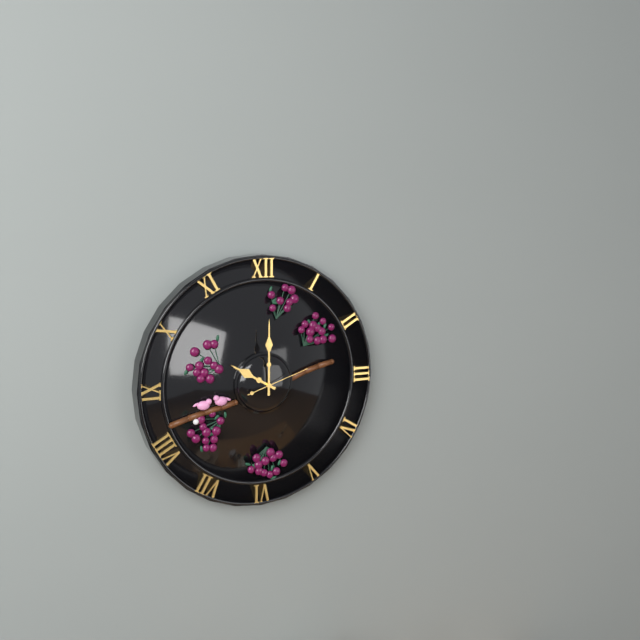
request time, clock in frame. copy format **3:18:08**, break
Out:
**10:00:12**
